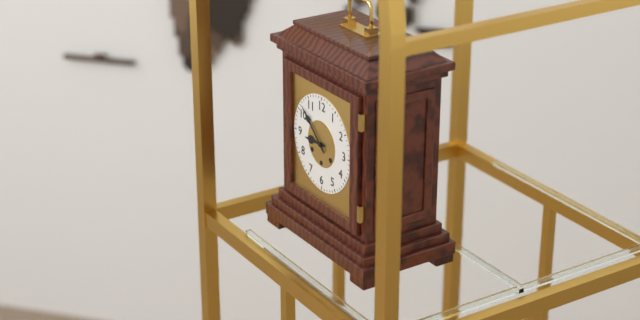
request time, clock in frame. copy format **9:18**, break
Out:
**8:52**
